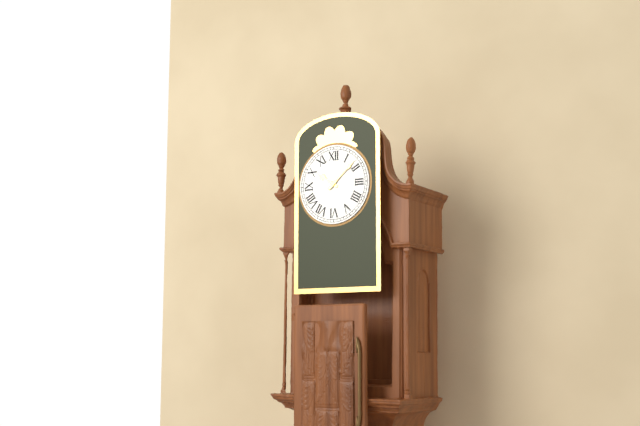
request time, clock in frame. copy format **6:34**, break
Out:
**10:08**
